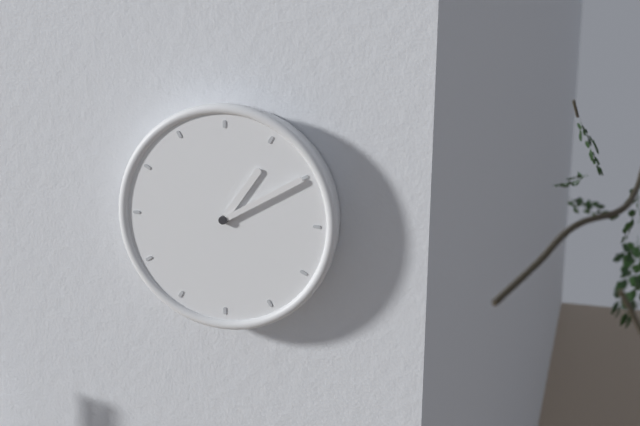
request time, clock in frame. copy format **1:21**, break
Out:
**1:10**
